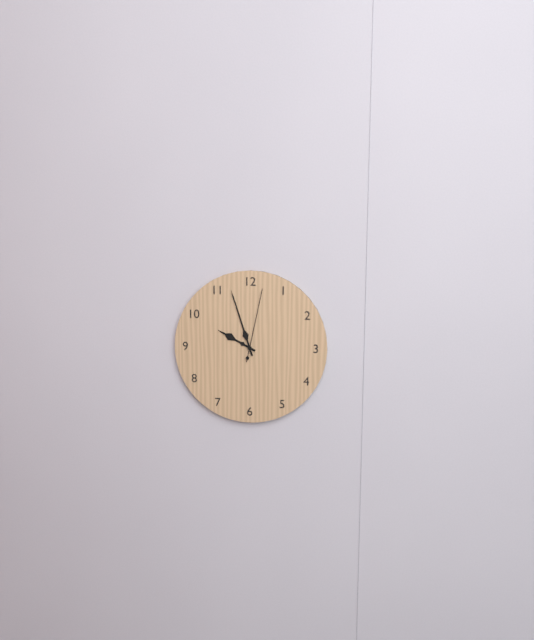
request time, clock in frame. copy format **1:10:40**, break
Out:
**9:57:02**
